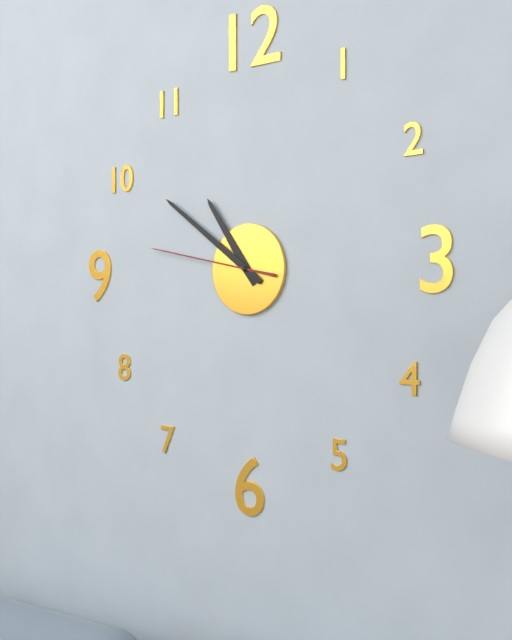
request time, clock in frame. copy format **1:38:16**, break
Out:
**10:51:47**
